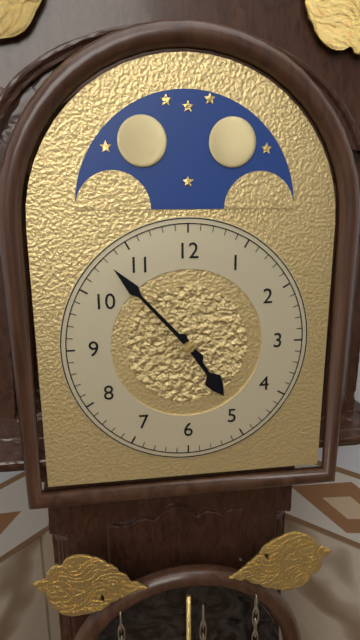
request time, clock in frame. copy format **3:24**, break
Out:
**4:53**
